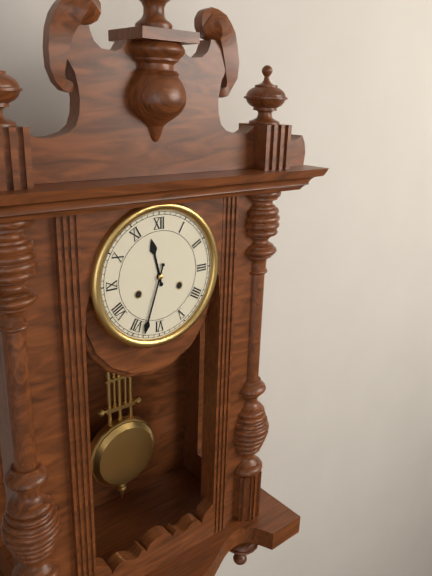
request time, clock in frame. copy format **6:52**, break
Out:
**11:33**
